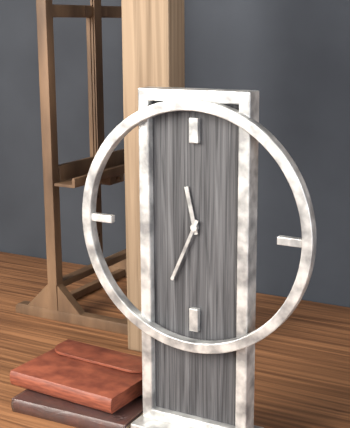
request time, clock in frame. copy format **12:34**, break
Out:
**11:34**
